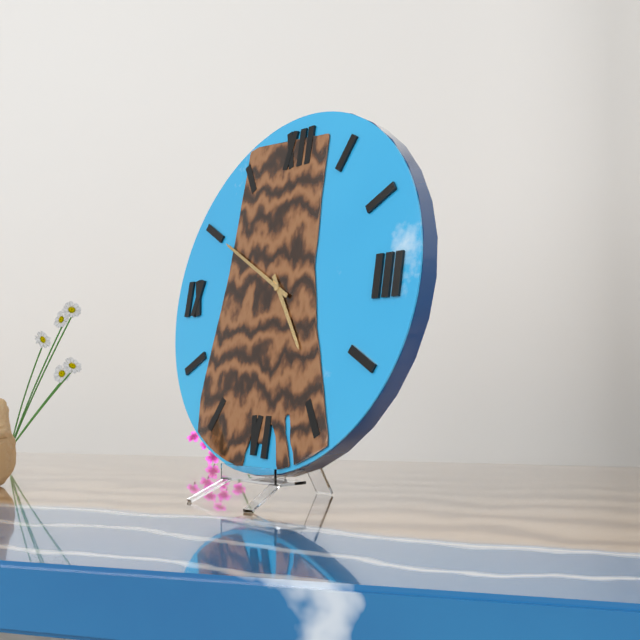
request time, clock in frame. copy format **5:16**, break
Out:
**4:50**
